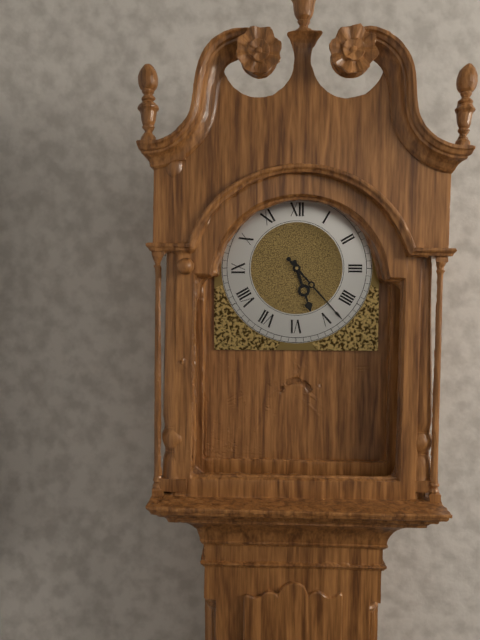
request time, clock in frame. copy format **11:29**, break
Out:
**5:23**
